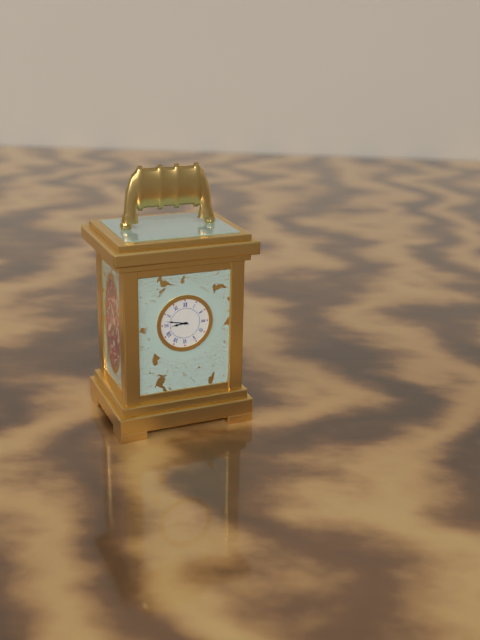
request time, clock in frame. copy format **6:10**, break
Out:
**8:47**
